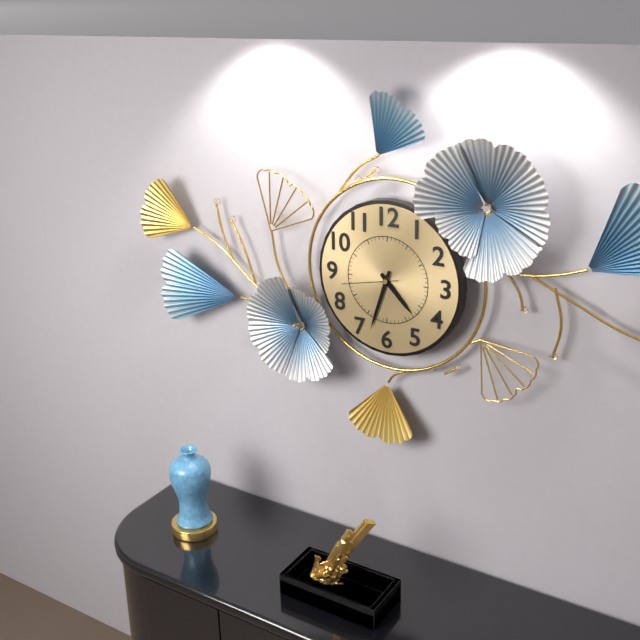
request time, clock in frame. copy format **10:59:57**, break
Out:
**4:33:43**
